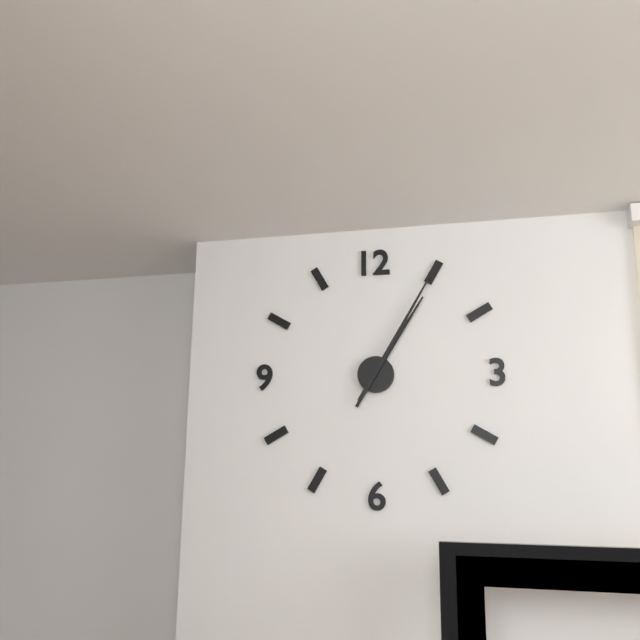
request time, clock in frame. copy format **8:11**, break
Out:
**1:05**
